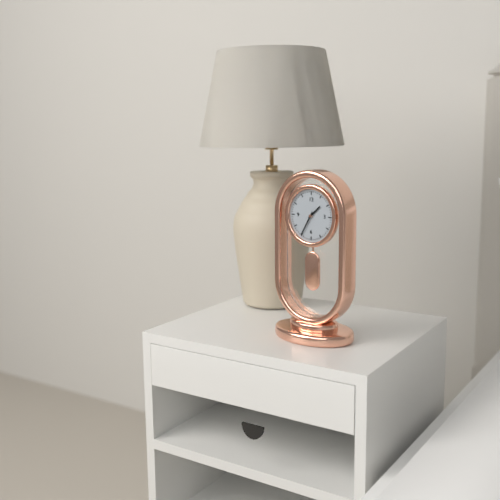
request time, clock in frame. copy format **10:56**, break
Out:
**1:35**
